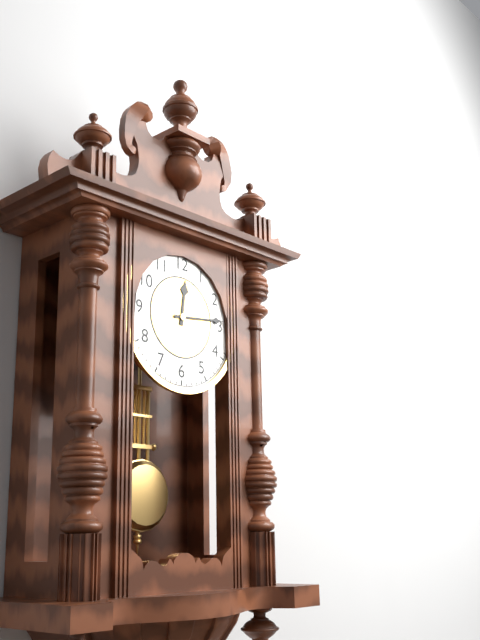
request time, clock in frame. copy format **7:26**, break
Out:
**12:14**
